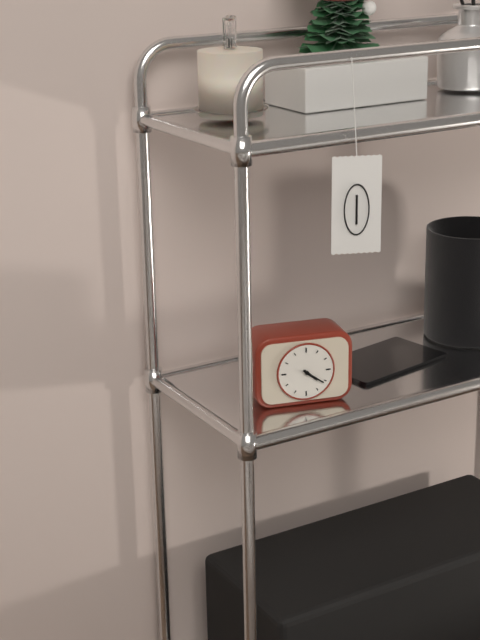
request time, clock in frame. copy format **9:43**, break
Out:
**4:21**
